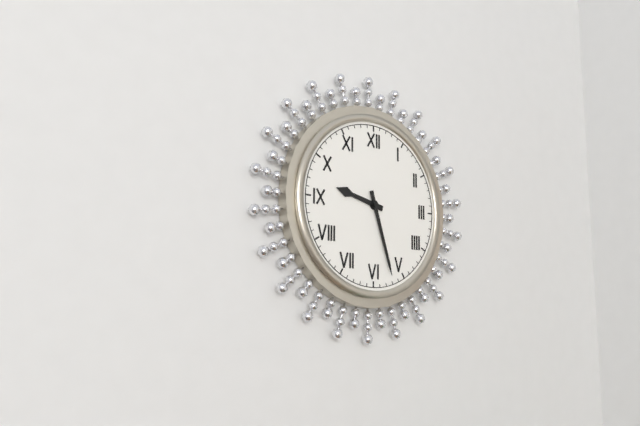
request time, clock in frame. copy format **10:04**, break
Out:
**9:27**
